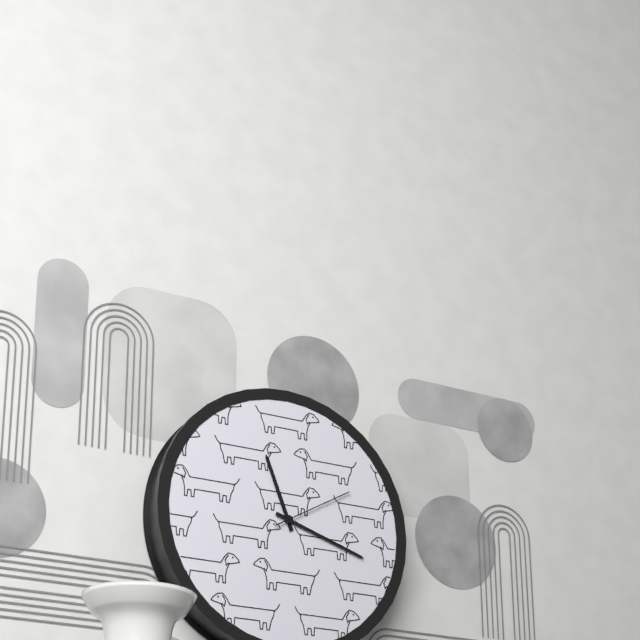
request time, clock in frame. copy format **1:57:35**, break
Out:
**11:18:10**
